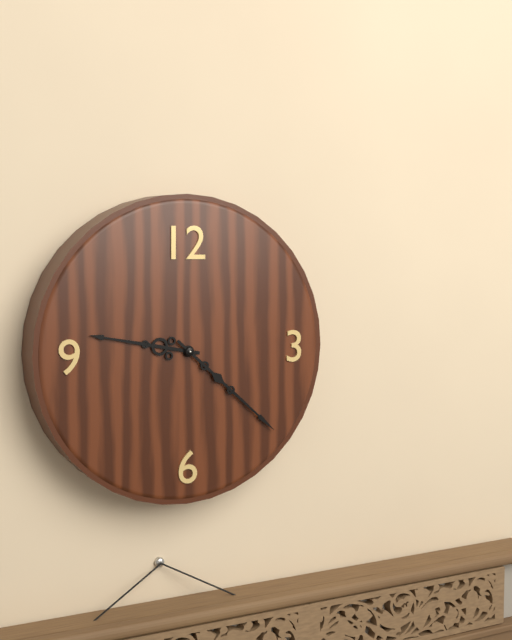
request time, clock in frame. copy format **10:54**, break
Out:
**9:22**
